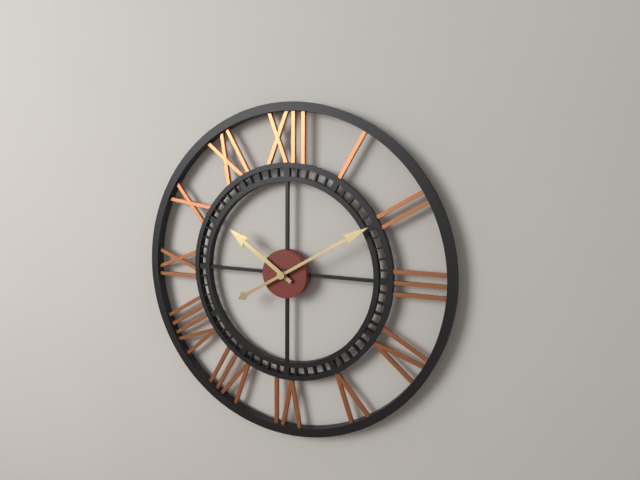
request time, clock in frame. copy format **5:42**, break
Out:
**10:10**
